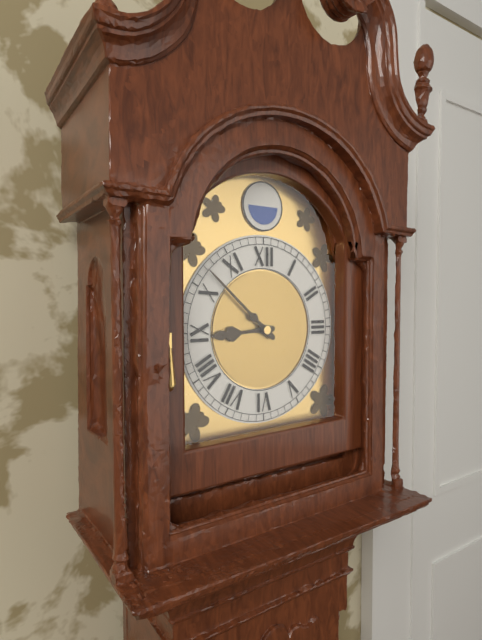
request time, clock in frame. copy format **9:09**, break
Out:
**8:52**
